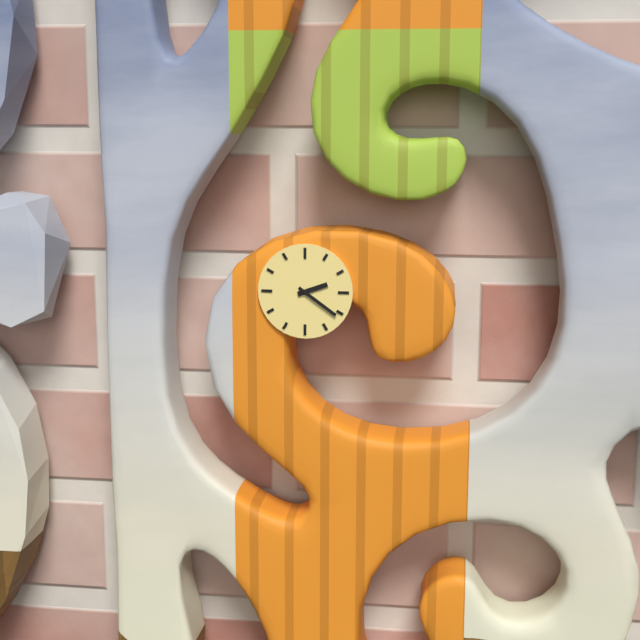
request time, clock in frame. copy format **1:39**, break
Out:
**2:21**
